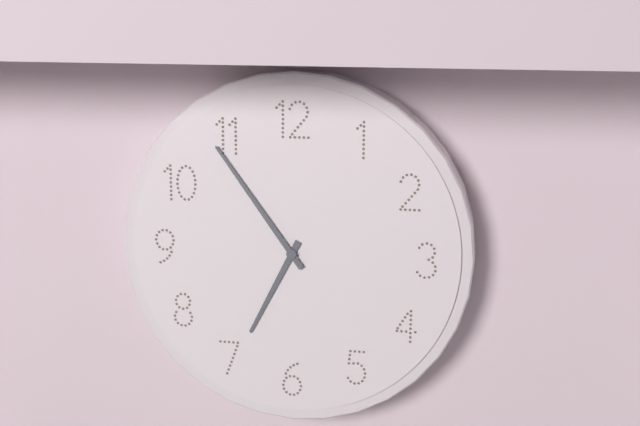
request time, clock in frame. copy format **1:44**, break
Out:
**6:54**
